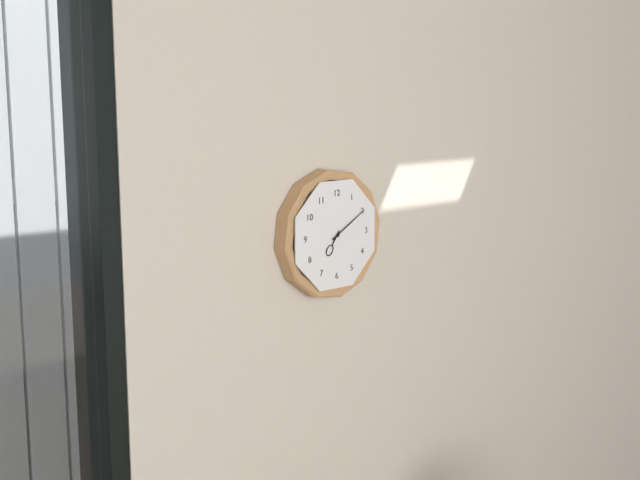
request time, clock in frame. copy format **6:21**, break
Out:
**7:10**
